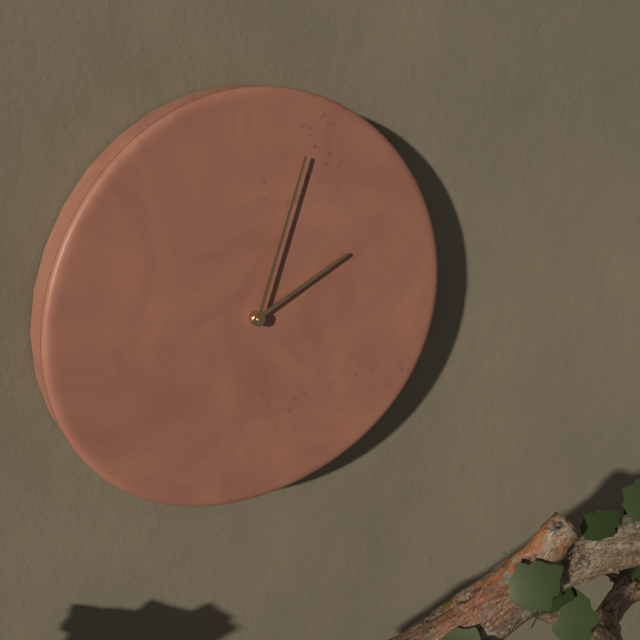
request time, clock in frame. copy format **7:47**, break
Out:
**2:03**
